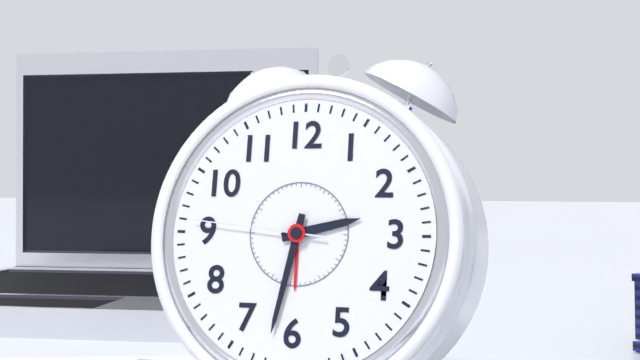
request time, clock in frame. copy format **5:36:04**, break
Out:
**2:32:46**
